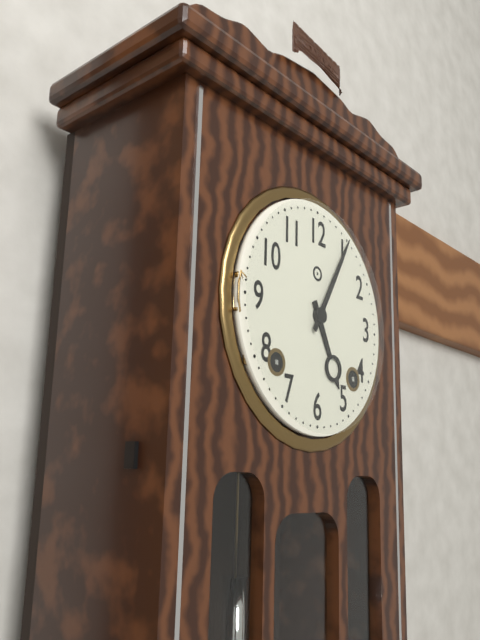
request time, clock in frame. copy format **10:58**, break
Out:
**5:05**
